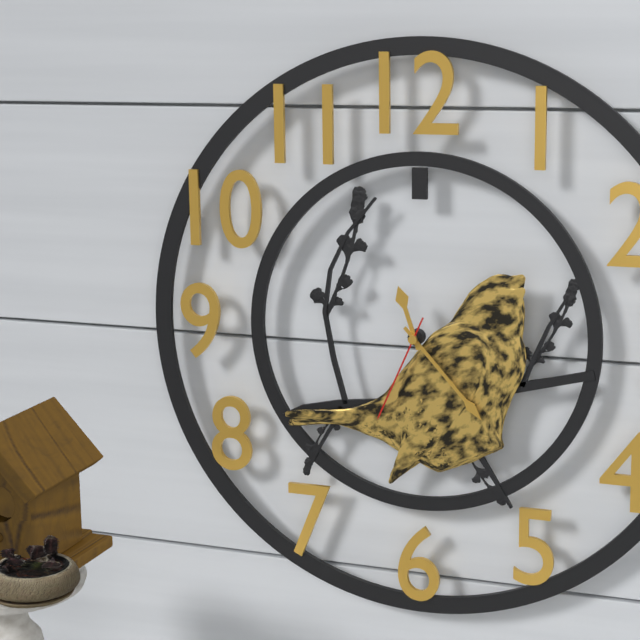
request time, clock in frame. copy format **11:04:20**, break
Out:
**11:23:34**
